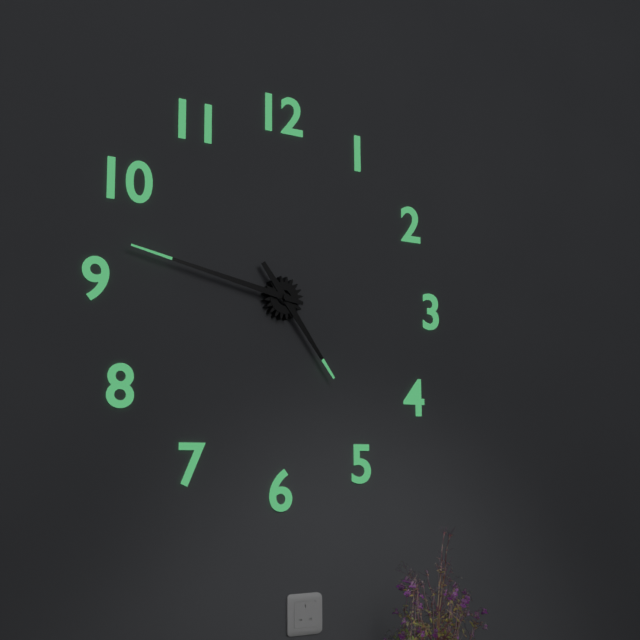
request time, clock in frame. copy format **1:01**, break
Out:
**4:47**
